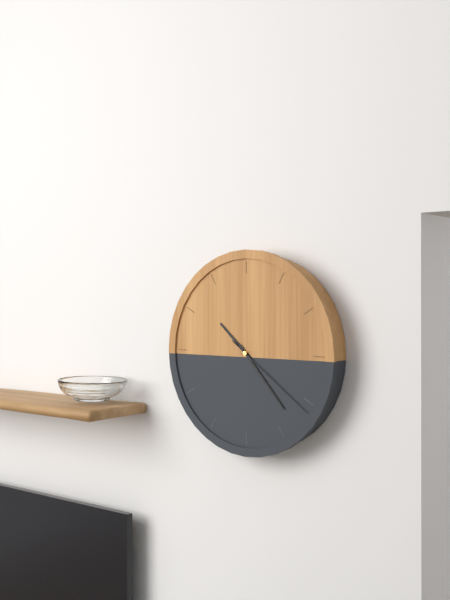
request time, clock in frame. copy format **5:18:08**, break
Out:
**10:23:21**
